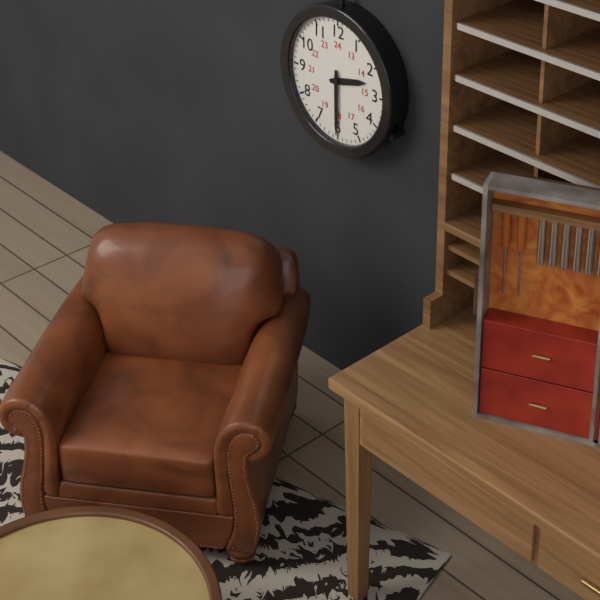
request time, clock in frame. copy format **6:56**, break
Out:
**2:30**
